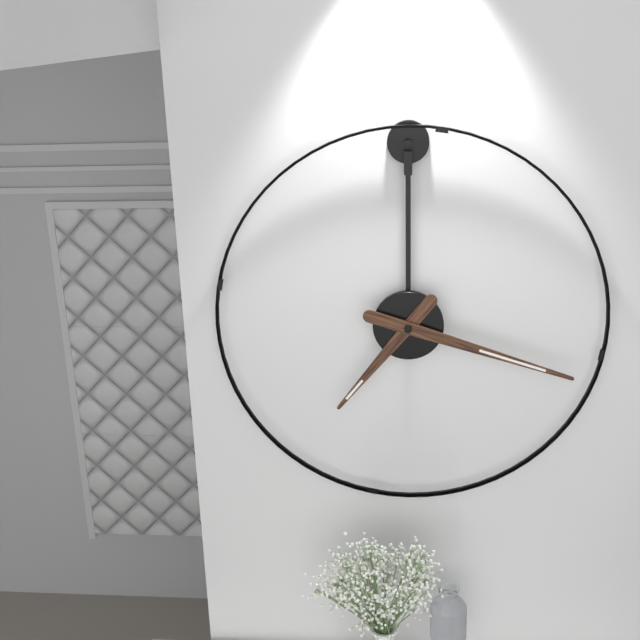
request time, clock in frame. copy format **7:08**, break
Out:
**7:18**
